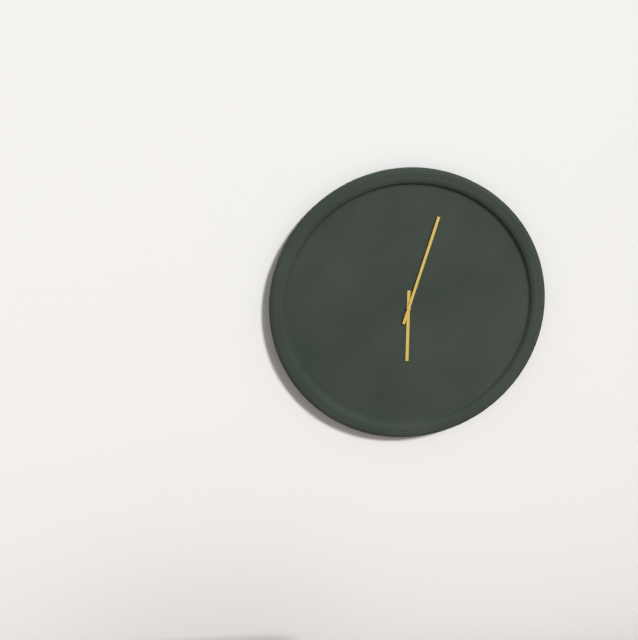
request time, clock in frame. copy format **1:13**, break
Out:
**6:03**
